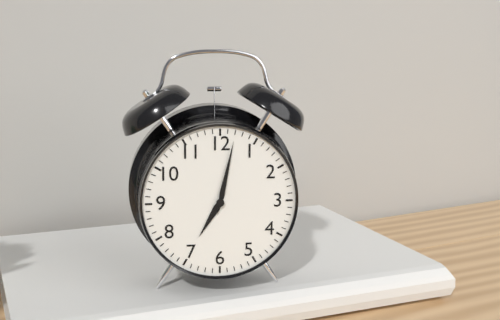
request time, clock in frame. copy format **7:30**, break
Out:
**7:02**
